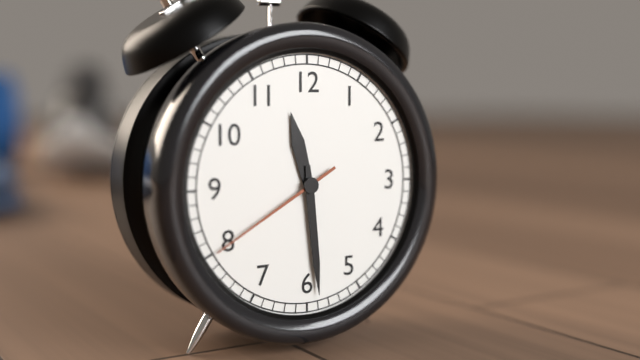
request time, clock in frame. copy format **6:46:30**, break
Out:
**11:29:40**
